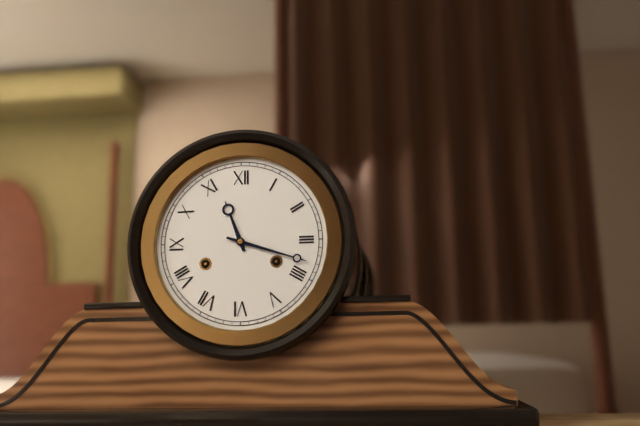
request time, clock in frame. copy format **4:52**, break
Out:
**11:18**
